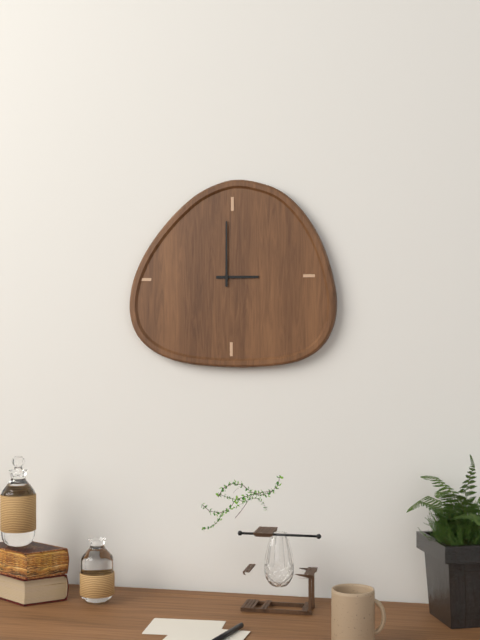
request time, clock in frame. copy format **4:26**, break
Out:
**3:00**
